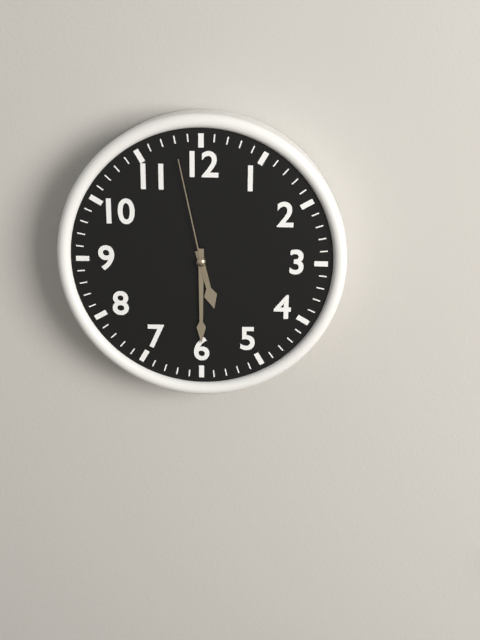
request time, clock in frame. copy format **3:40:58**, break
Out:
**5:30:58**
